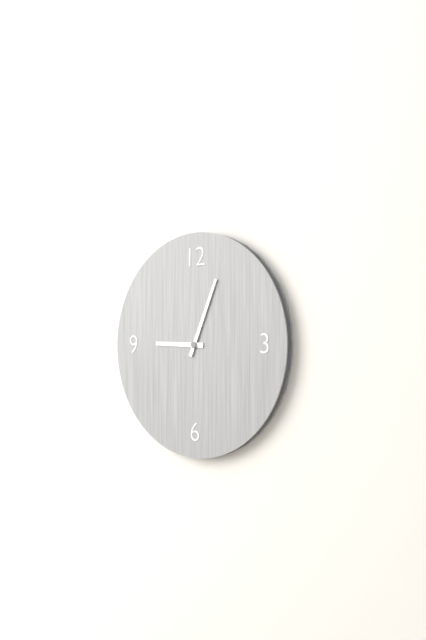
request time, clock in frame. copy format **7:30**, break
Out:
**9:04**
